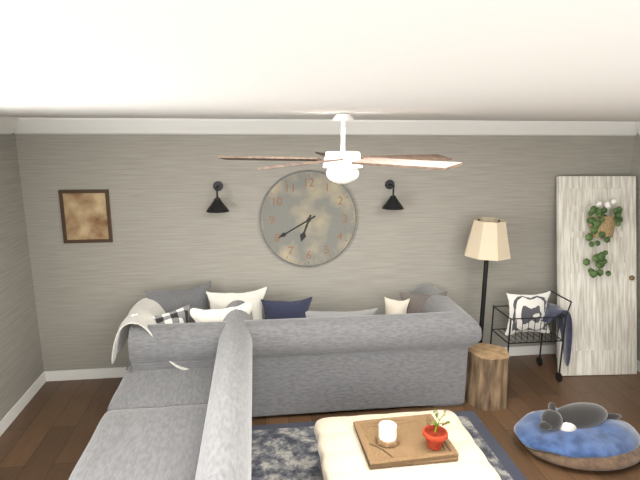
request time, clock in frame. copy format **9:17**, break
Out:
**6:40**
